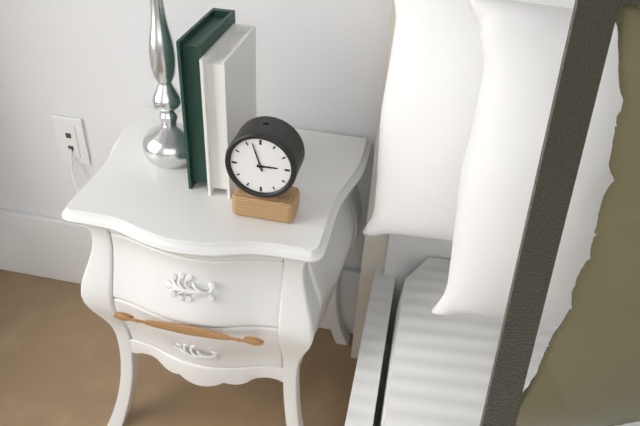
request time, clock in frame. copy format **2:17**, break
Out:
**2:57**
